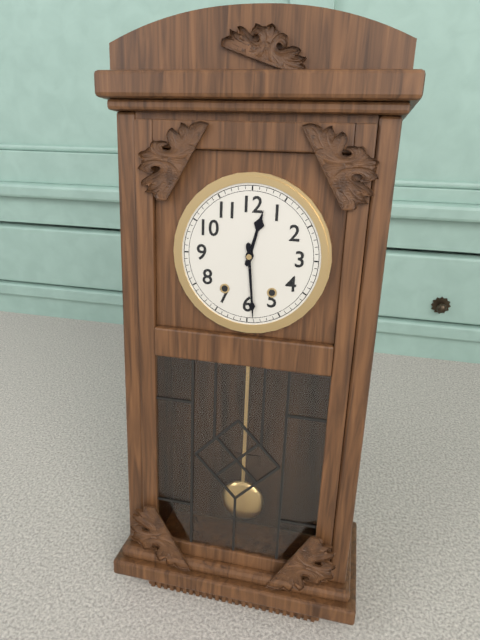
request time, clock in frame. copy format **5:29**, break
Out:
**12:29**
